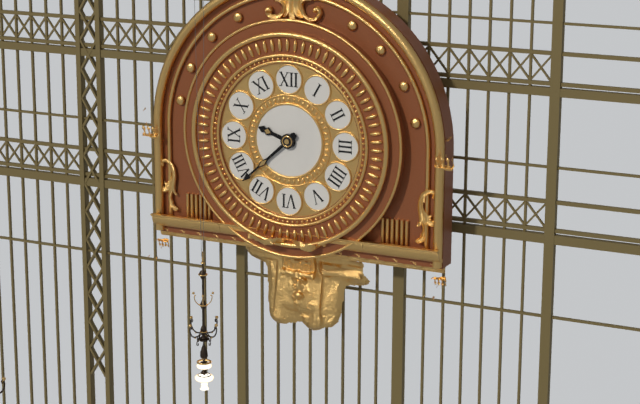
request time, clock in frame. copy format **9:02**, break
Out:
**9:38**
